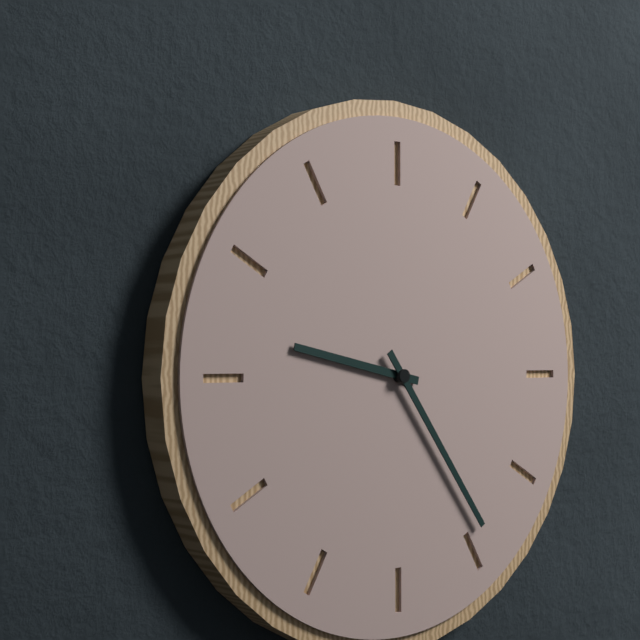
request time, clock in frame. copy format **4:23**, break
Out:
**9:24**
